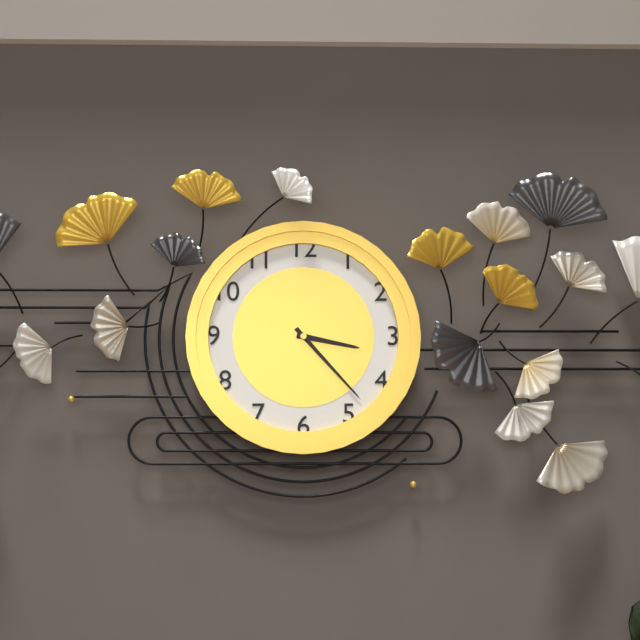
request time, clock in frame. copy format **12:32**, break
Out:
**3:23**
